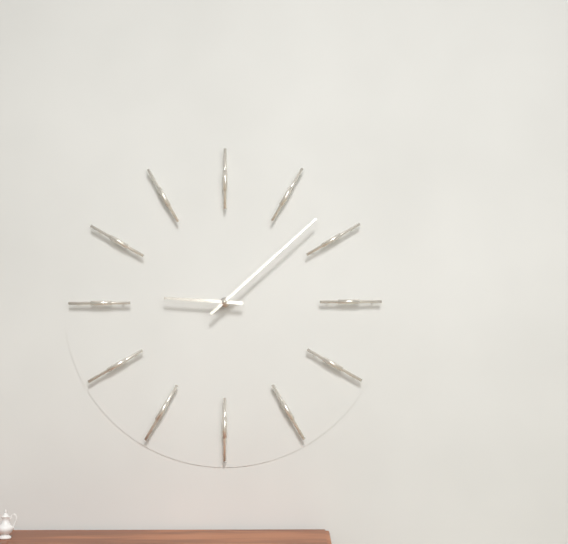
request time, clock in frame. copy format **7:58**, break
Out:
**9:08**
